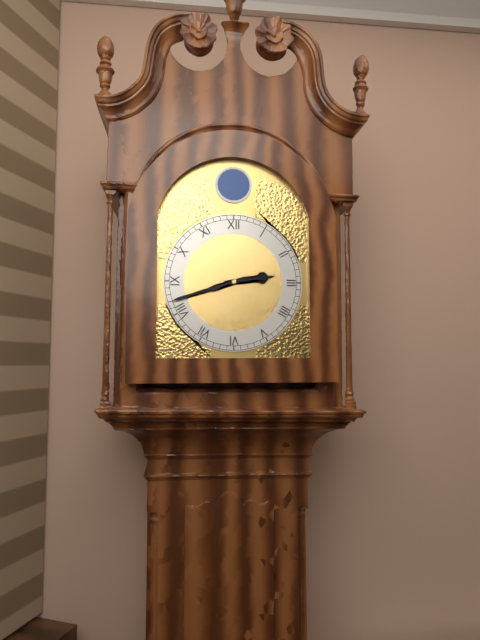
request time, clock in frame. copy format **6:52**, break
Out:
**2:42**
